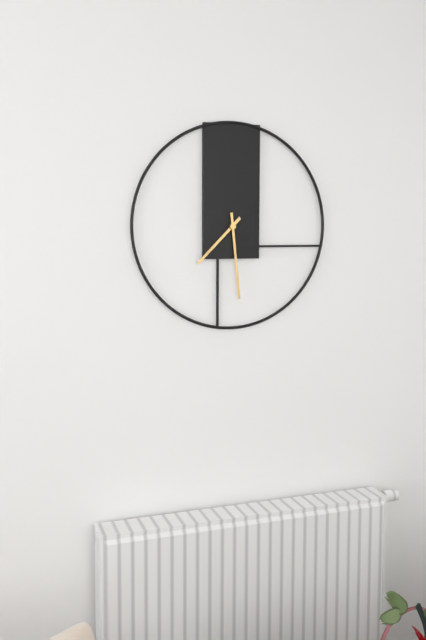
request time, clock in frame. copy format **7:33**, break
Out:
**7:29**
